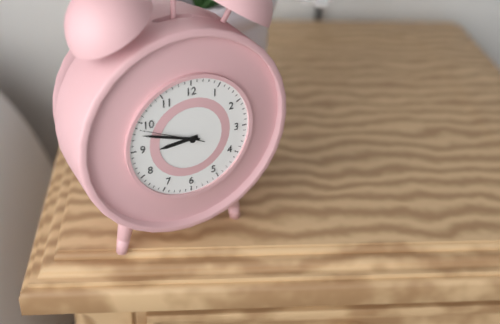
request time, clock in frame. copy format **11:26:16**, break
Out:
**8:48:49**
